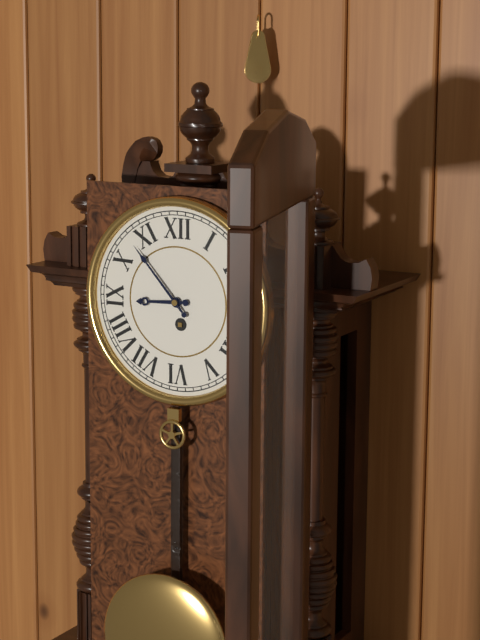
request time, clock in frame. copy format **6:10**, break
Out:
**8:53**
